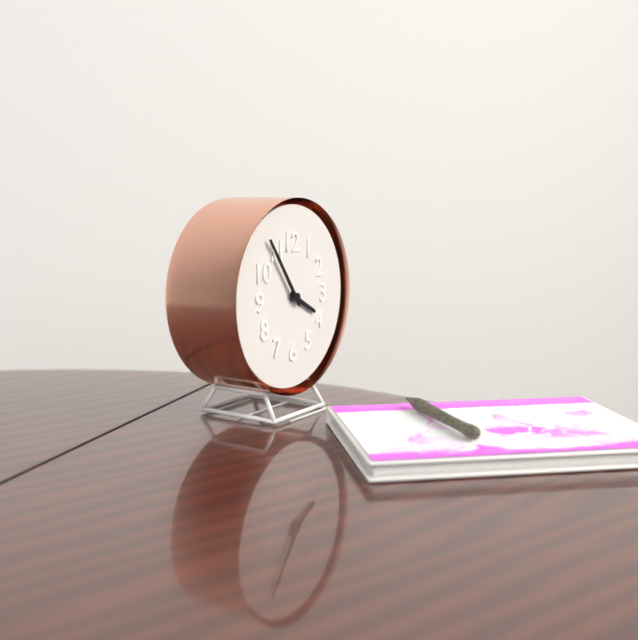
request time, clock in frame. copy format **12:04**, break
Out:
**3:54**
